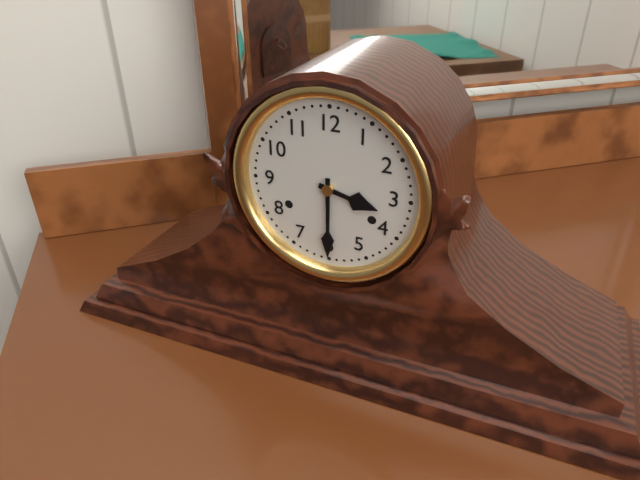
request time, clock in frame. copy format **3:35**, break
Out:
**3:30**
